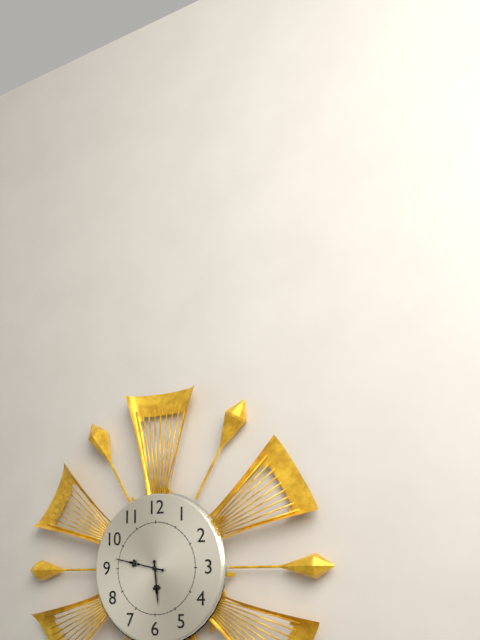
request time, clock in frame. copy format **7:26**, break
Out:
**5:47**
